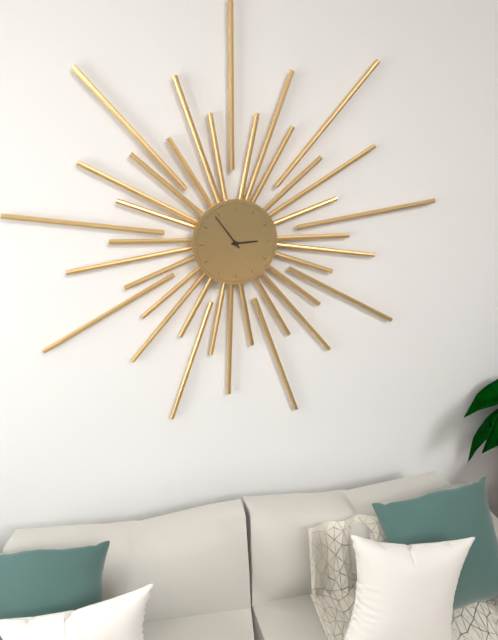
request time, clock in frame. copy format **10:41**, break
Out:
**2:54**
